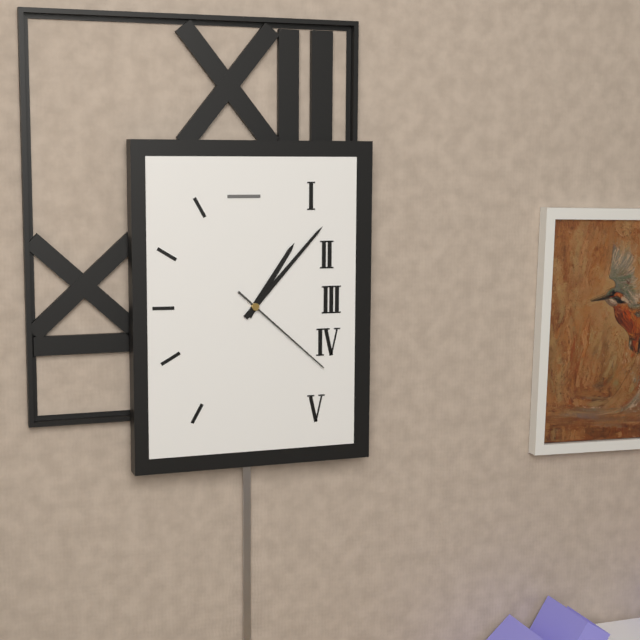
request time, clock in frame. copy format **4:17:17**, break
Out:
**1:07:22**
